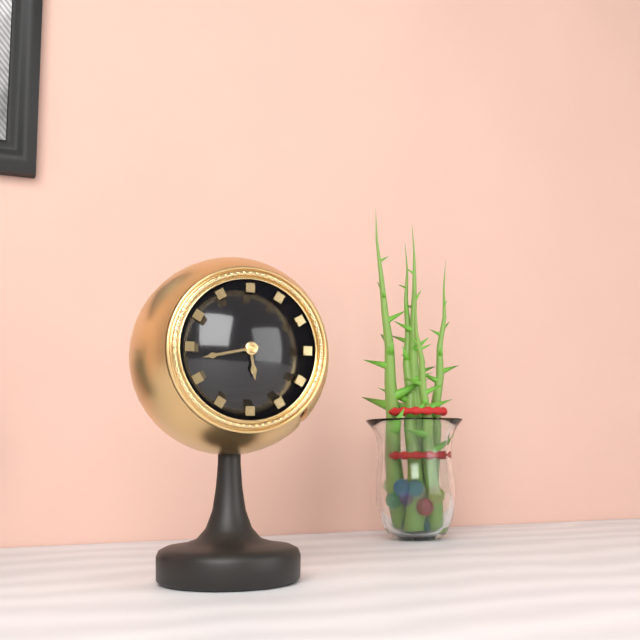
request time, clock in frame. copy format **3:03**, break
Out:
**5:43**
